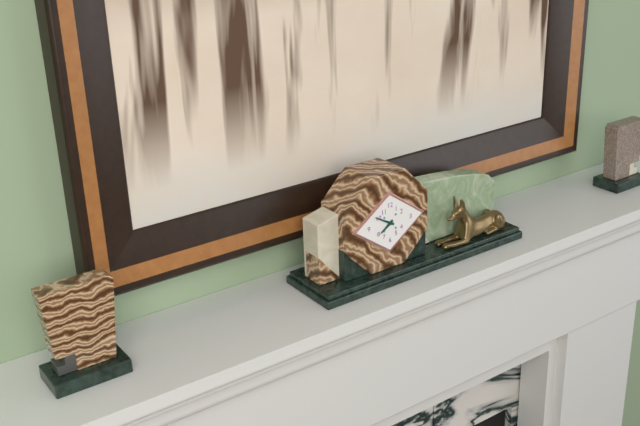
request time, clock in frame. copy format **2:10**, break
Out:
**7:50**
